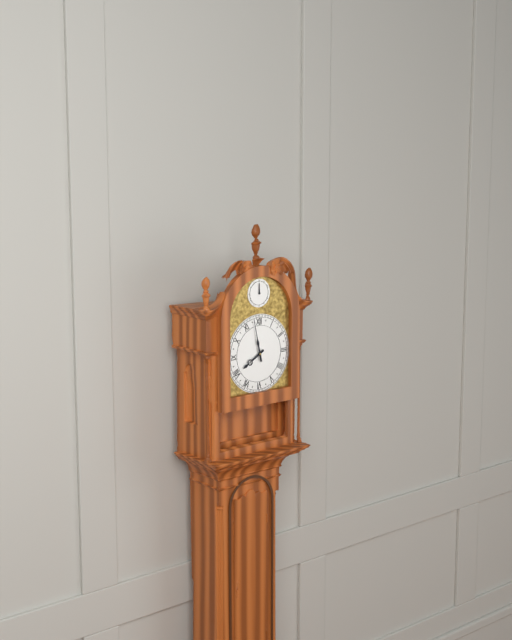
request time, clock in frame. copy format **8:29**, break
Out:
**7:58**
